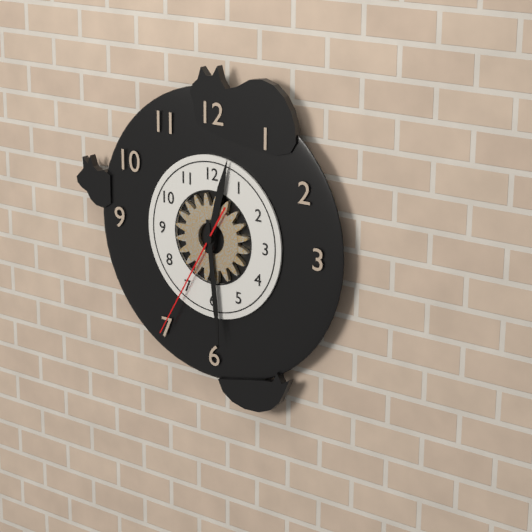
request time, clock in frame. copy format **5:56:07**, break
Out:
**12:29:35**
